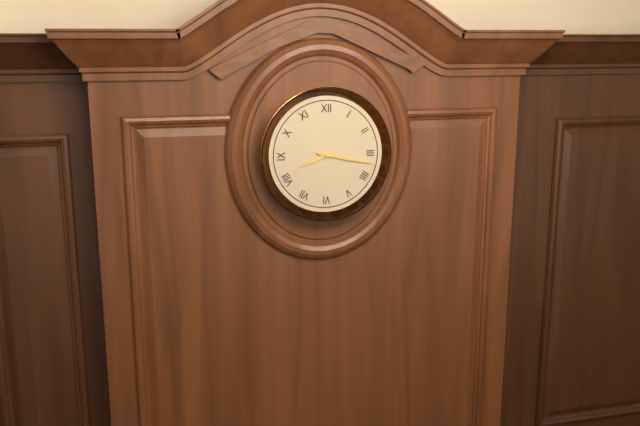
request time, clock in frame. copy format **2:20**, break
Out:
**8:17**
